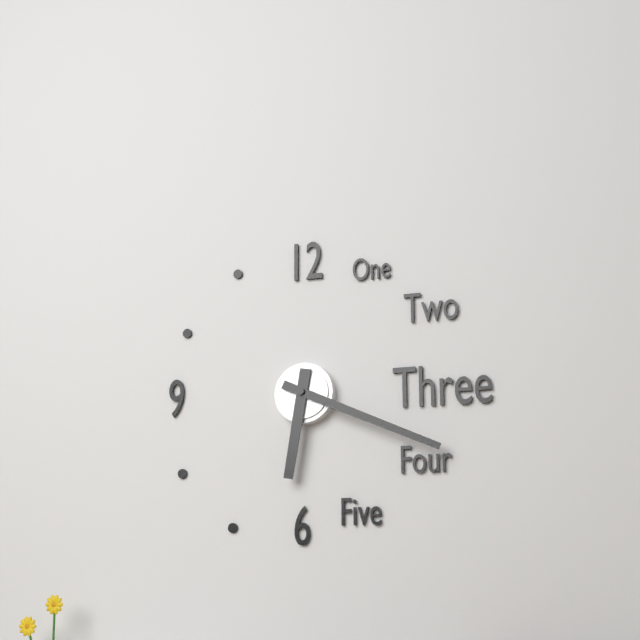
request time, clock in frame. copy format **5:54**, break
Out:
**6:19**
